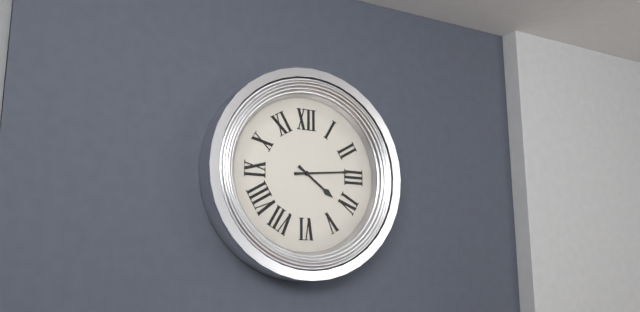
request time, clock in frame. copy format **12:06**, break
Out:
**4:14**
